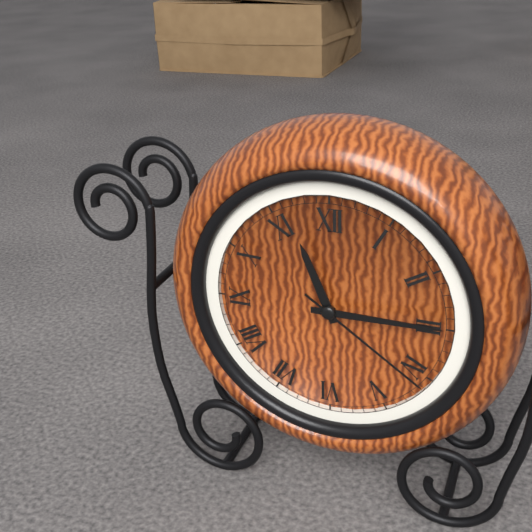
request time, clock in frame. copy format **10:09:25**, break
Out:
**11:15:21**
